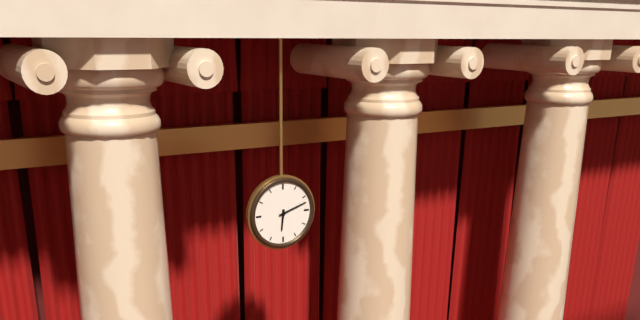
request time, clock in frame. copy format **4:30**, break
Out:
**6:12**
